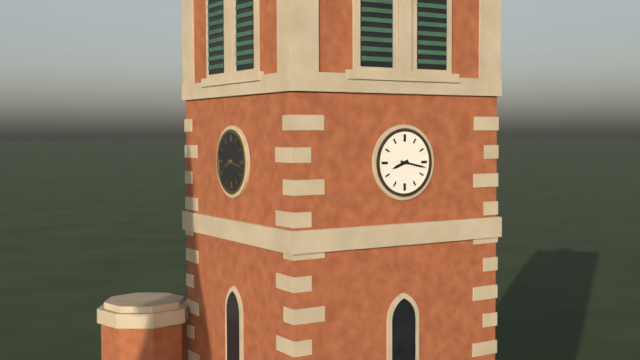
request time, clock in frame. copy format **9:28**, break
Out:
**8:17**
